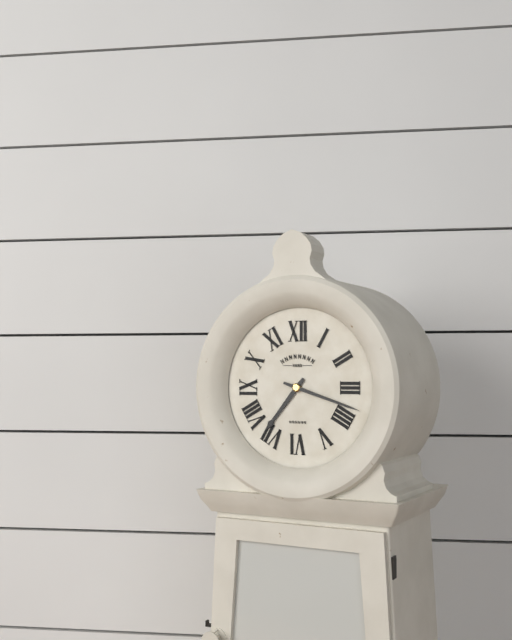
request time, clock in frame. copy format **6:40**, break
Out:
**7:18**
